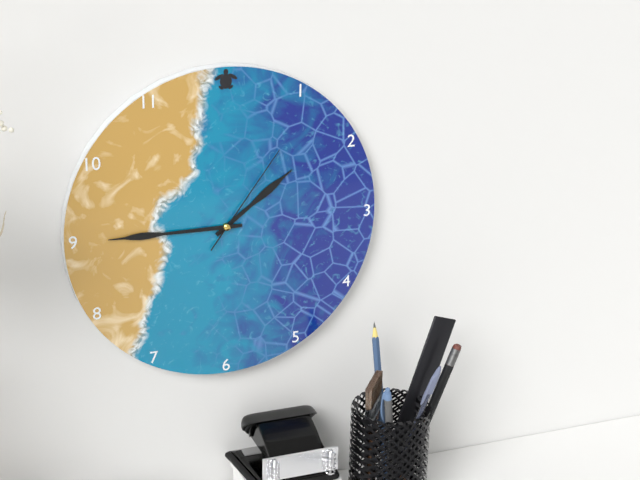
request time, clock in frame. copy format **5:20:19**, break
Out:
**1:45:06**
